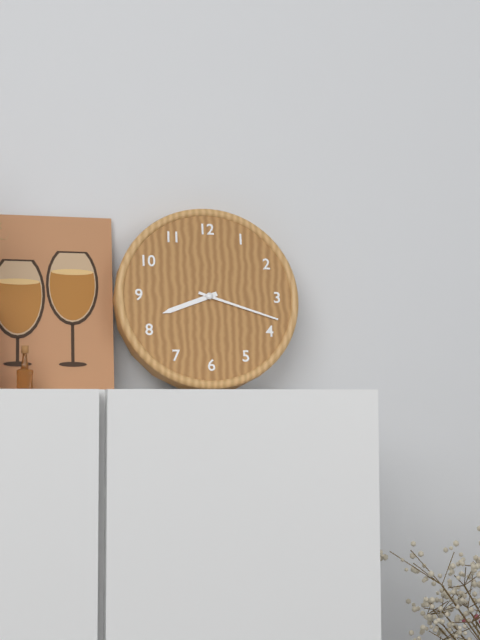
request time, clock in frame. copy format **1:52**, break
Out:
**8:18**
